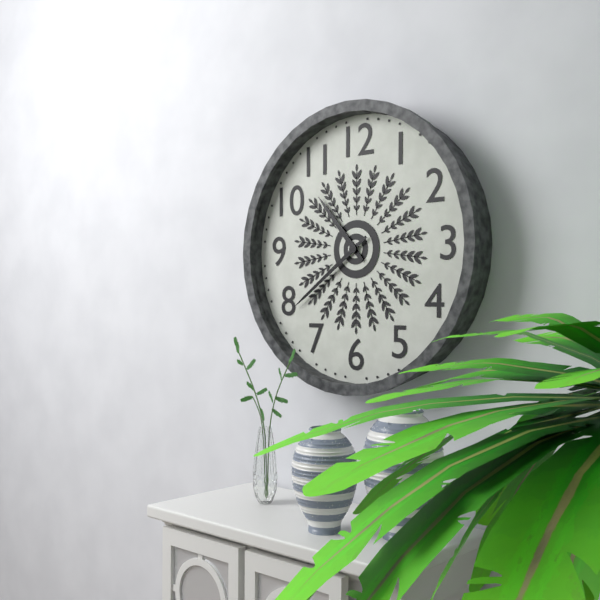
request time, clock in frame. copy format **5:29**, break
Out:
**10:39**
